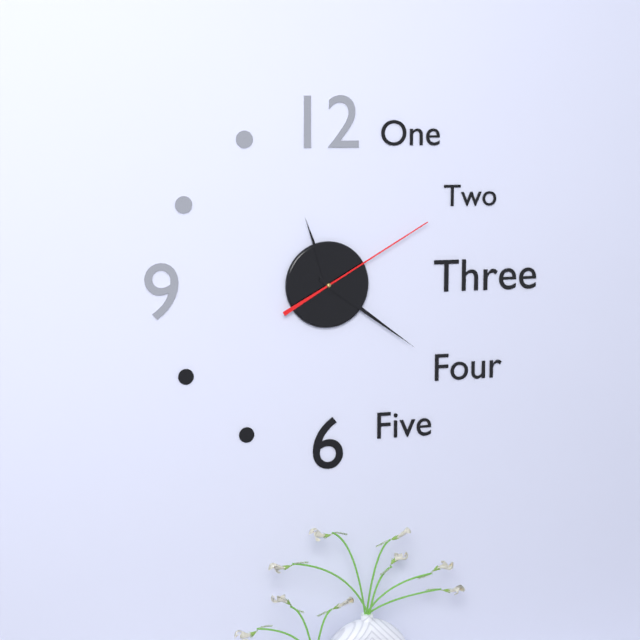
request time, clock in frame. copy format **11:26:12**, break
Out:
**11:21:10**
